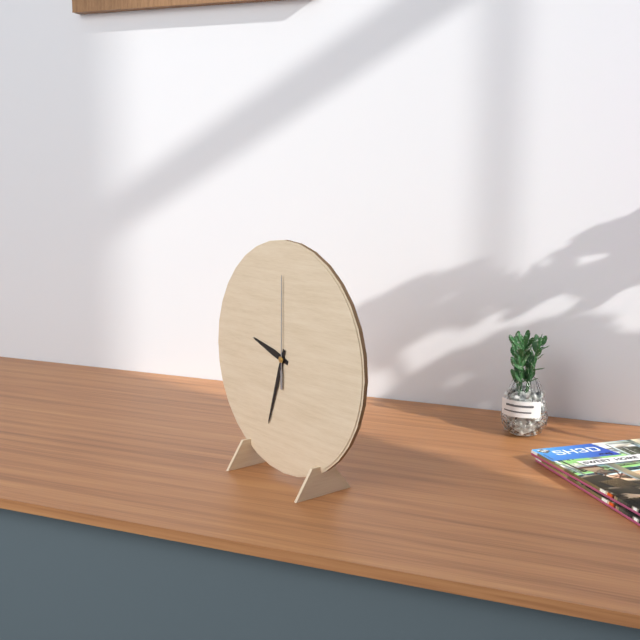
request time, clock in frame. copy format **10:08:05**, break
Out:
**9:33:00**
